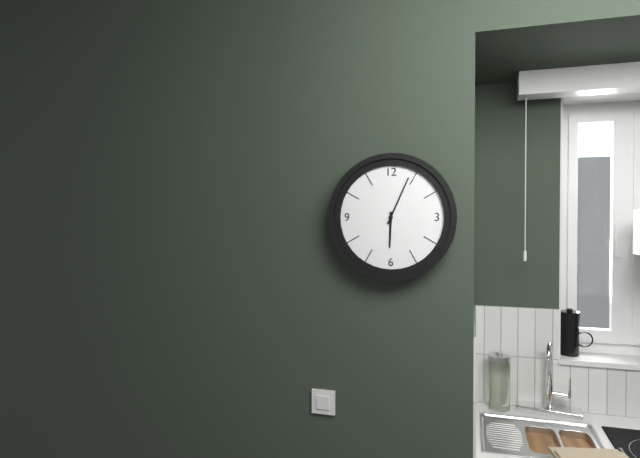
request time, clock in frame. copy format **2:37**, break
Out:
**6:04**
